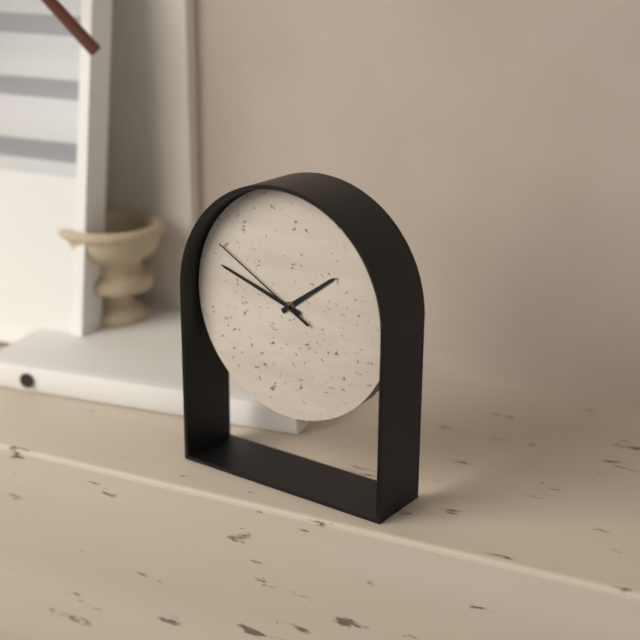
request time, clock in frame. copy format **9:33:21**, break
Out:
**1:48:50**
